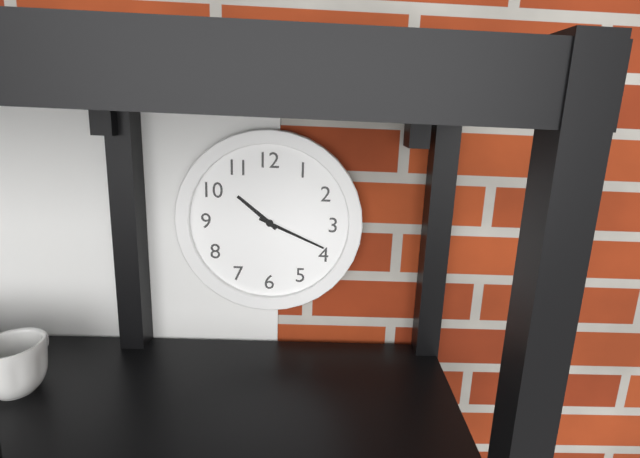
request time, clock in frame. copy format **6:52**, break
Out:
**10:19**
